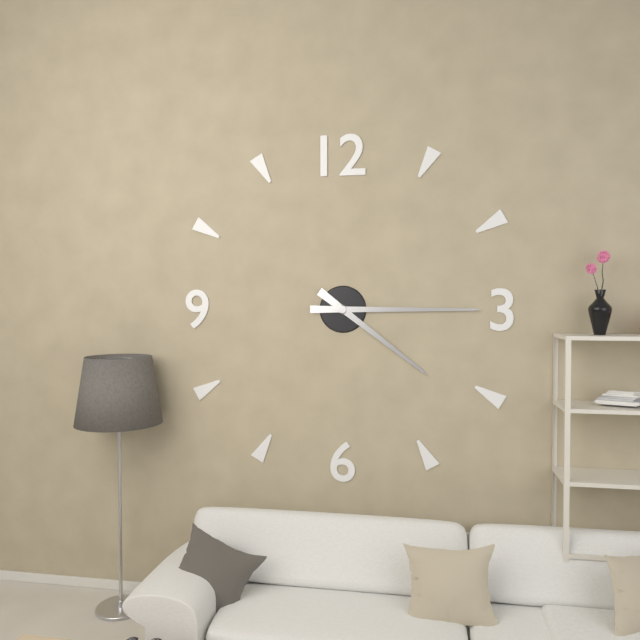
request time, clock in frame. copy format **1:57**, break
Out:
**4:15**
